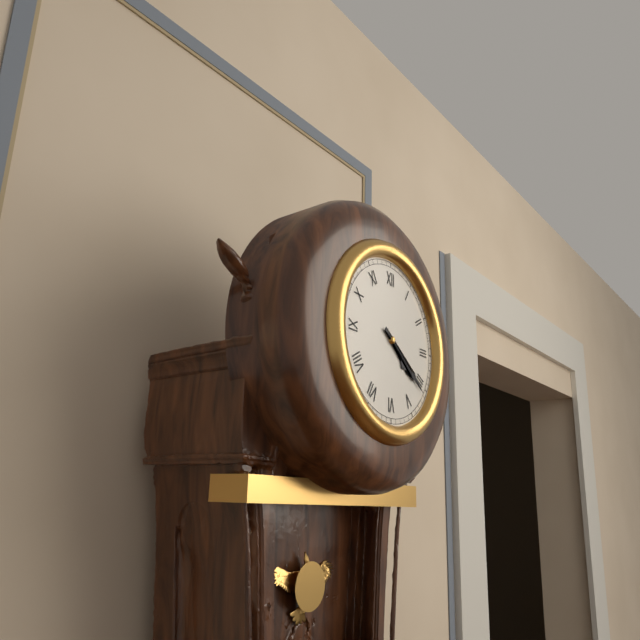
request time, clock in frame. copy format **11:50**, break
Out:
**4:21**
